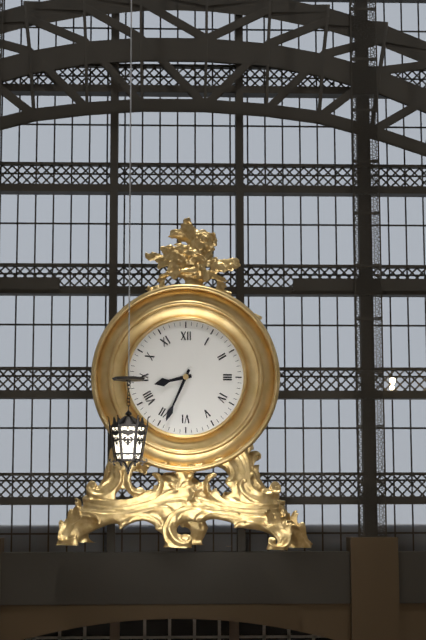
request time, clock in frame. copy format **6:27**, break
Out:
**8:34**
